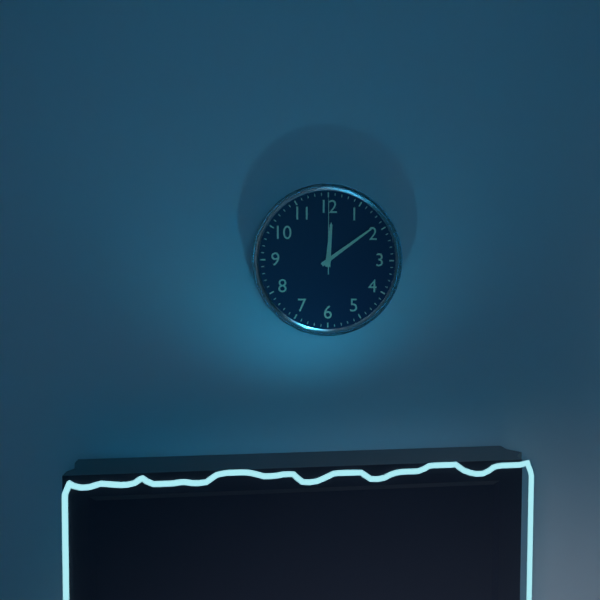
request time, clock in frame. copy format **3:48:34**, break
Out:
**12:09:00**
